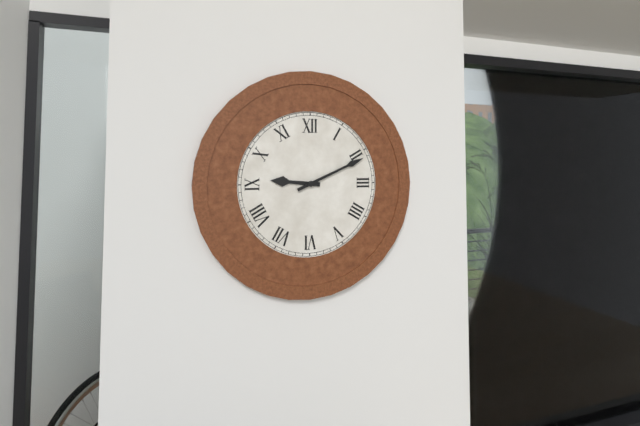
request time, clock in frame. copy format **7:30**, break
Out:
**9:11**
